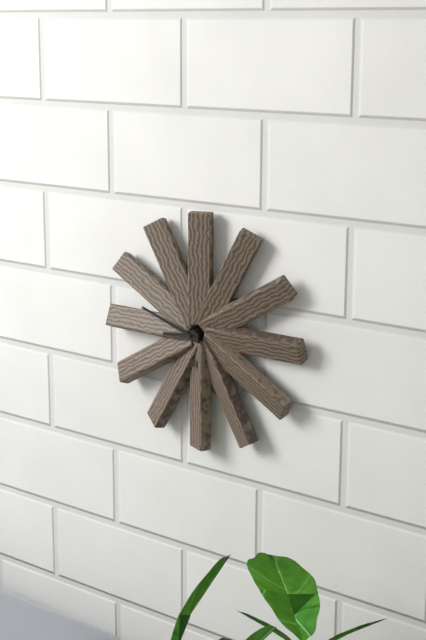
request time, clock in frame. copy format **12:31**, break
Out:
**8:48**
